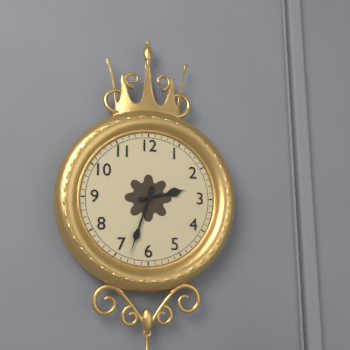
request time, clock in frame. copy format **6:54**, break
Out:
**2:33**
